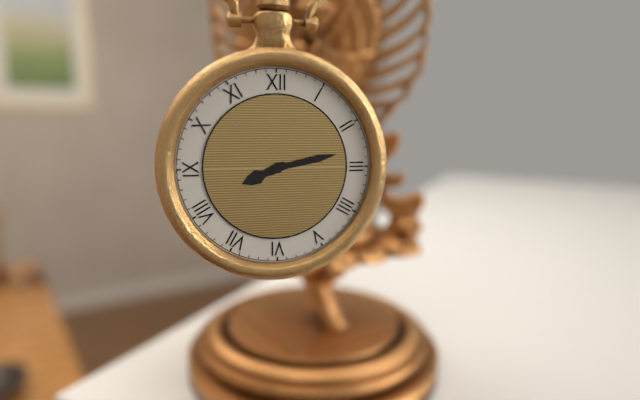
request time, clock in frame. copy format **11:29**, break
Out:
**8:13**
